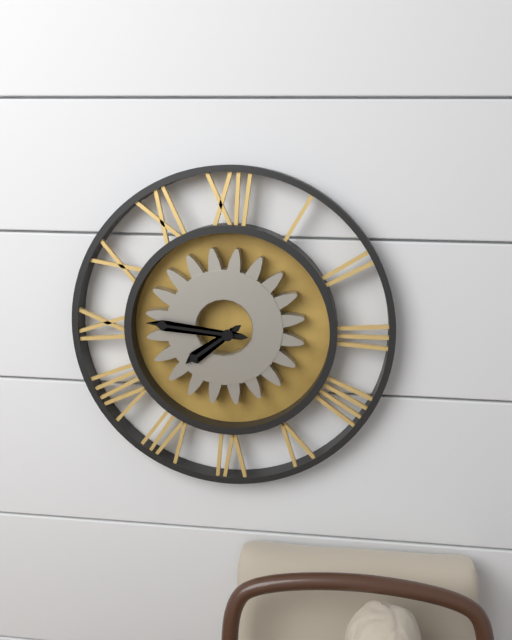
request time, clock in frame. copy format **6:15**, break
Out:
**7:46**
